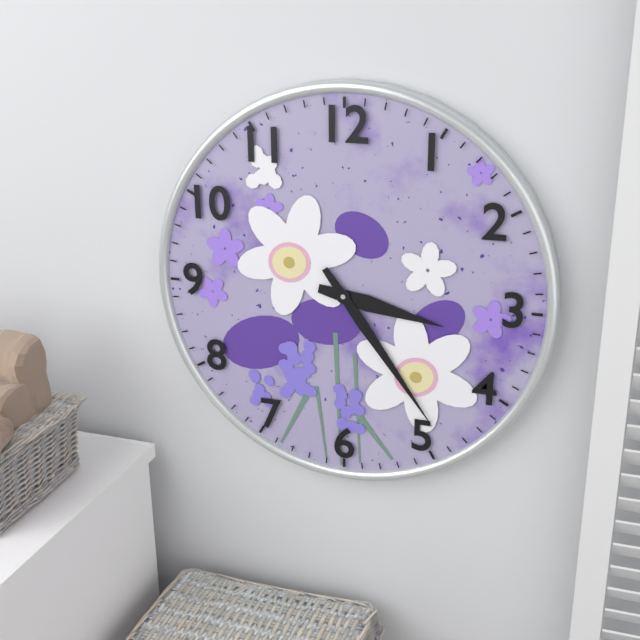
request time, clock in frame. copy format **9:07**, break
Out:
**3:24**
